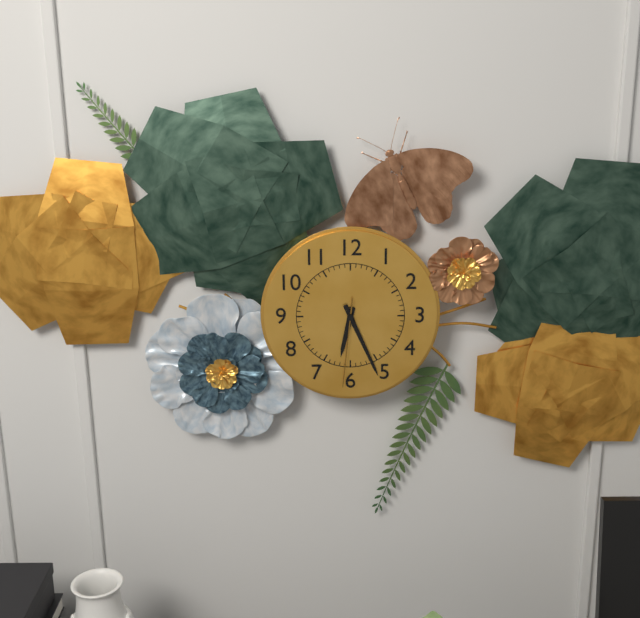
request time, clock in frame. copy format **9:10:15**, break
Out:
**6:26:31**
